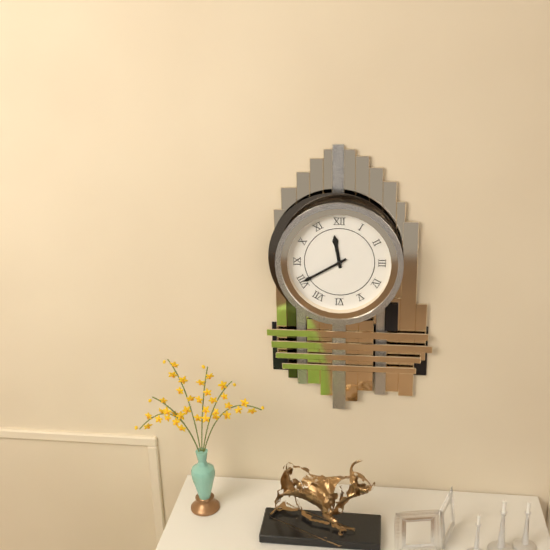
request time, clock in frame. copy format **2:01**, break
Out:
**11:40**
